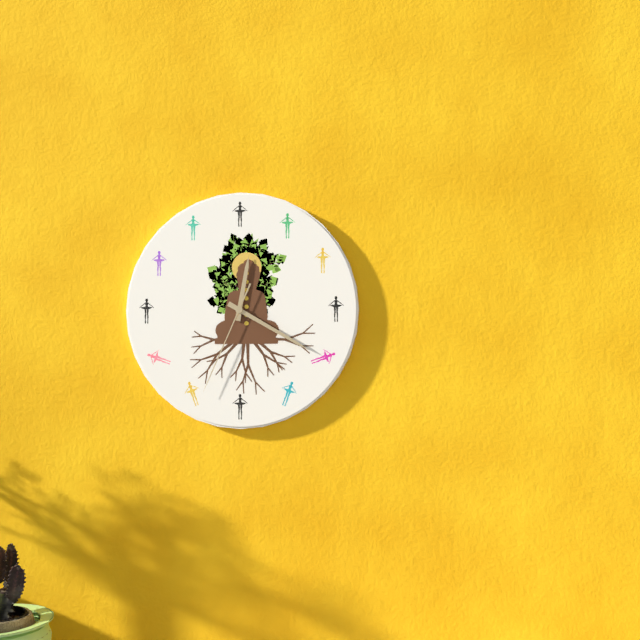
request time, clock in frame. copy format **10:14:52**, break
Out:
**12:20:34**
